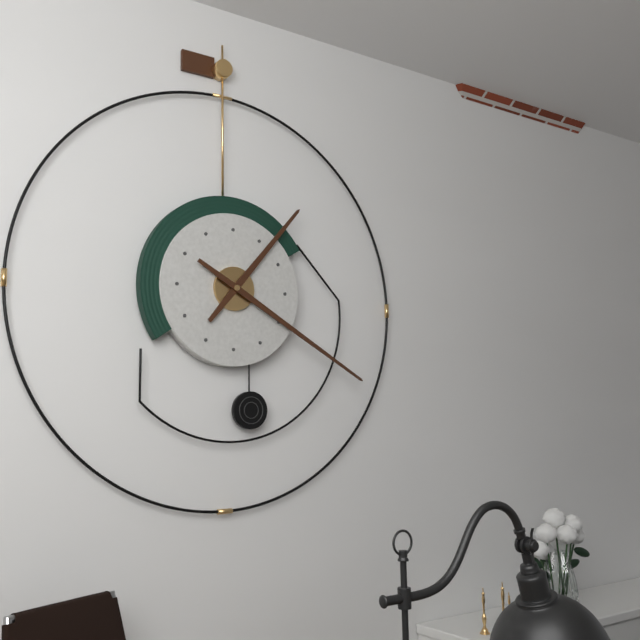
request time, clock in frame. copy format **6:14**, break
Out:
**1:20**
